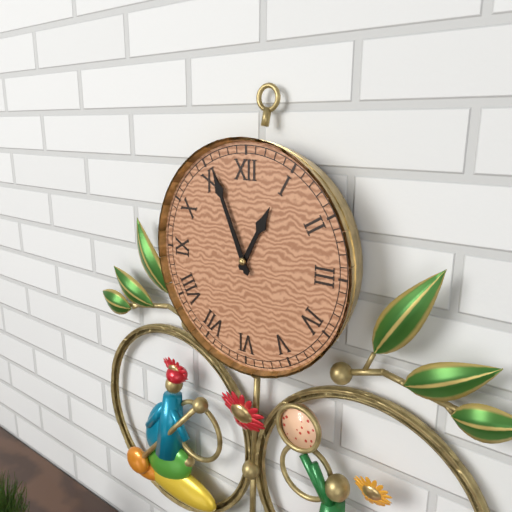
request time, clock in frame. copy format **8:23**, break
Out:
**12:56**
